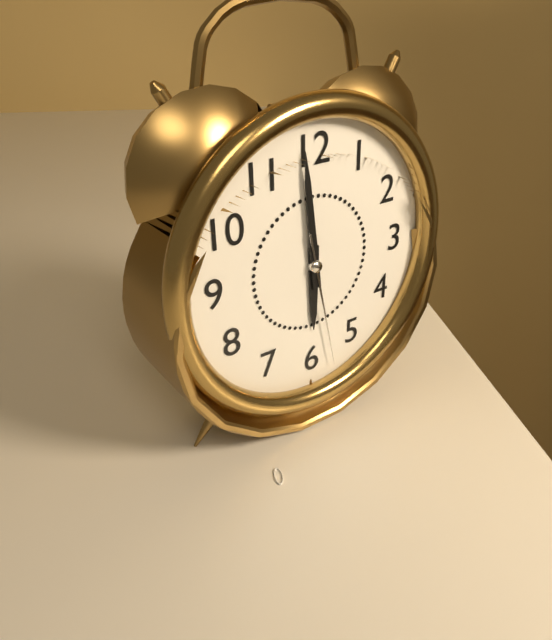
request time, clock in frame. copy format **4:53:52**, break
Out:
**5:59:28**
